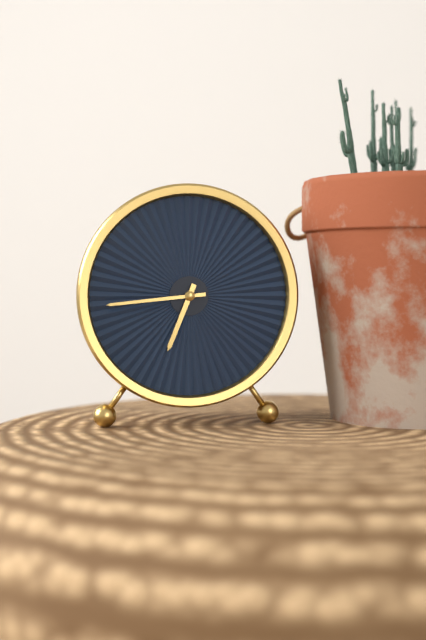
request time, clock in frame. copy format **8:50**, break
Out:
**6:44**
